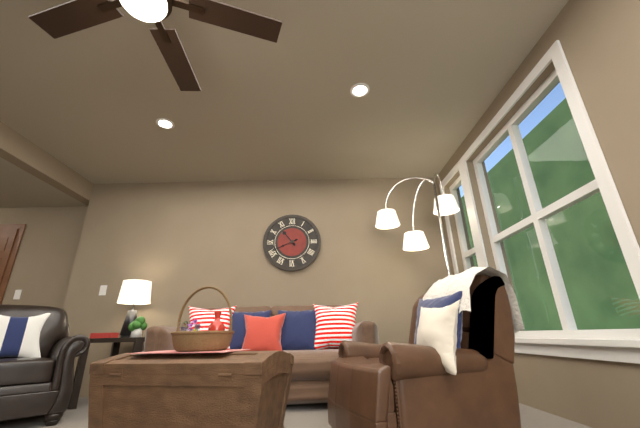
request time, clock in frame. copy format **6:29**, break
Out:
**10:41**
